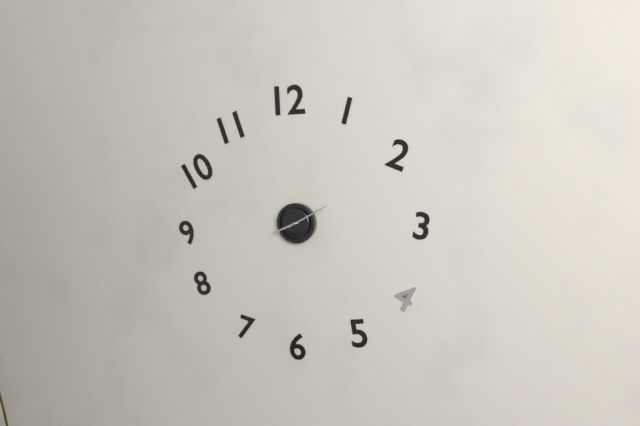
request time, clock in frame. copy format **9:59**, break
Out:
**8:10**
